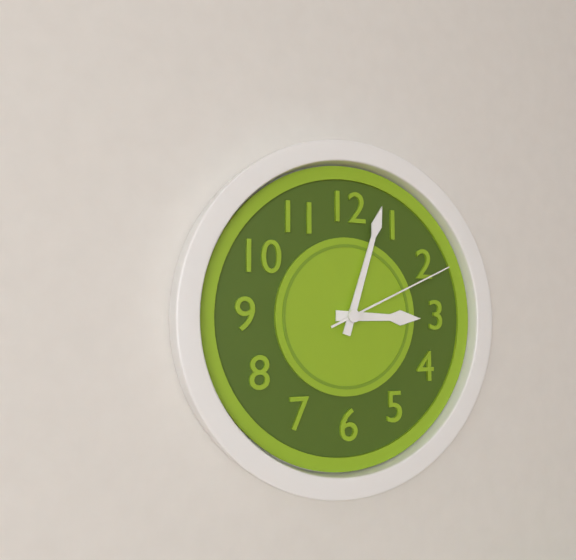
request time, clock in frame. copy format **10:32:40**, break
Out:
**3:03:11**
